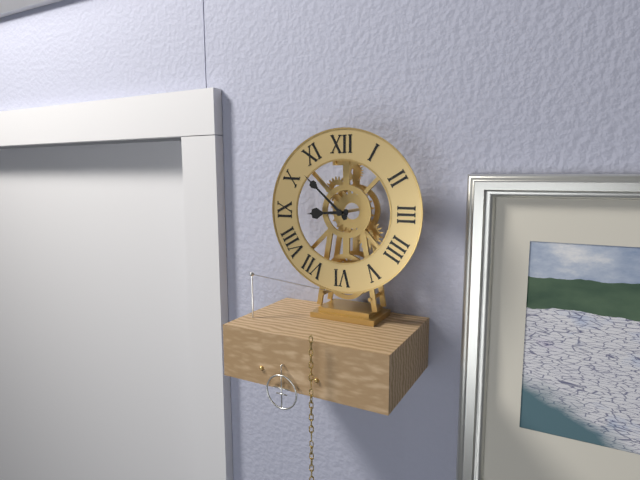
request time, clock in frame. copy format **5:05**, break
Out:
**8:52**
